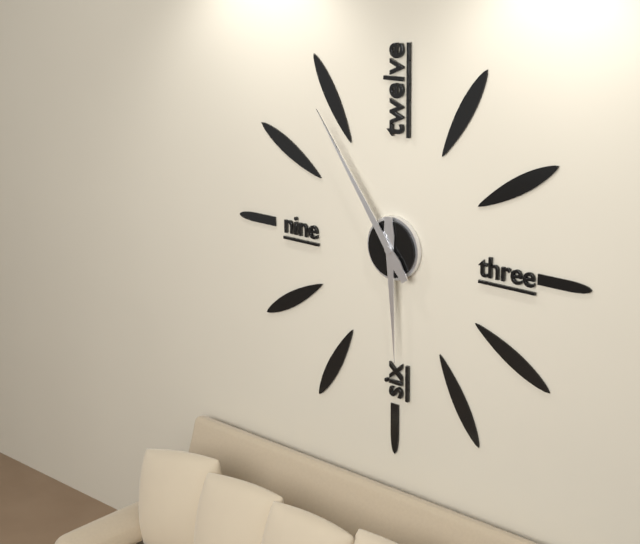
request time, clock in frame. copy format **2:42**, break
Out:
**5:54**
